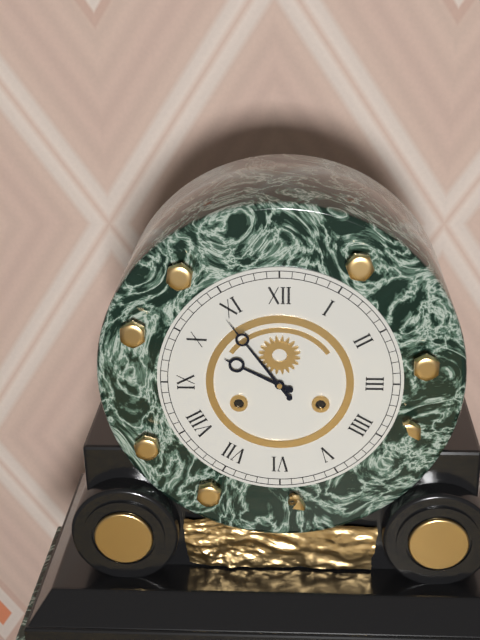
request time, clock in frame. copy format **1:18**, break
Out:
**9:54**
